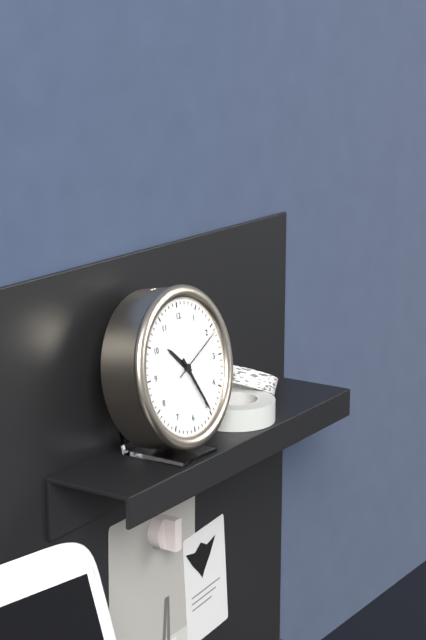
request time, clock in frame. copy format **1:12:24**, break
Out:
**10:25:11**
